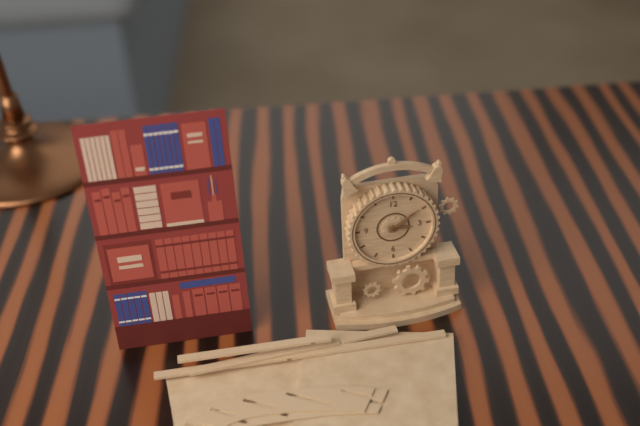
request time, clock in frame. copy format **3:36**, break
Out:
**3:09**
